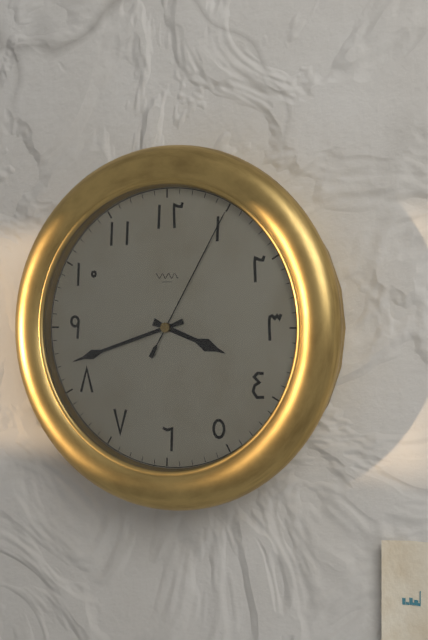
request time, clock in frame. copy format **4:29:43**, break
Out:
**3:42:05**
